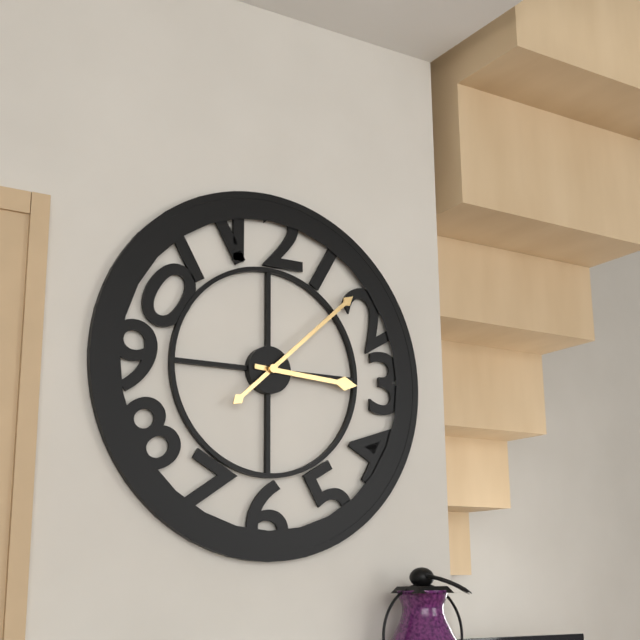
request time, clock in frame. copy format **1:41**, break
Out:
**3:08**
